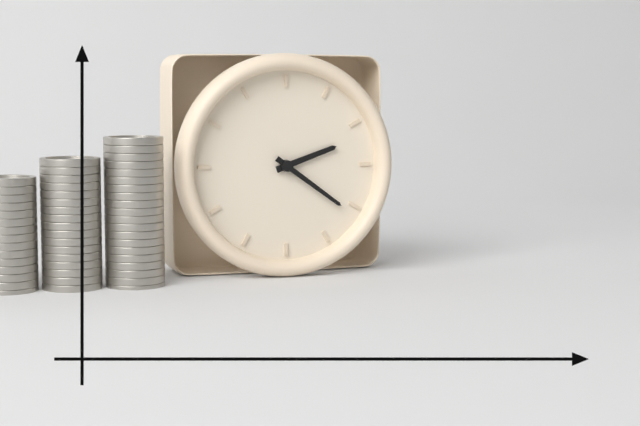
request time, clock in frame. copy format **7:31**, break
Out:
**2:21**
